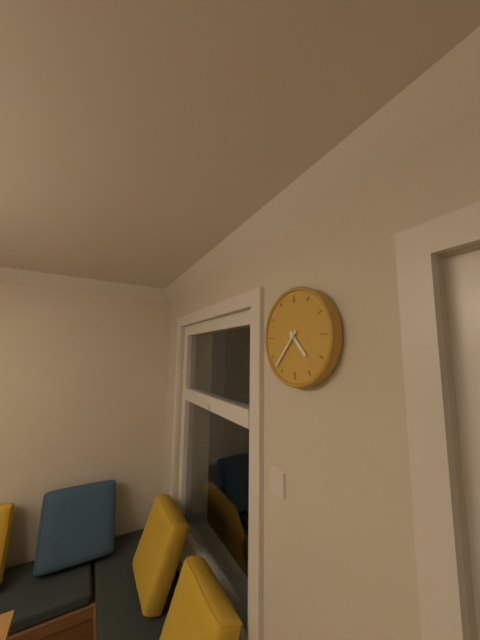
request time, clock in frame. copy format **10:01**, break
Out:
**4:37**
